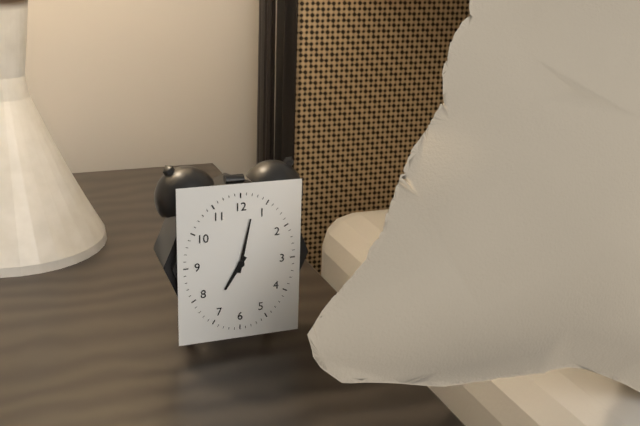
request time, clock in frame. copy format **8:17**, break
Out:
**7:02**
